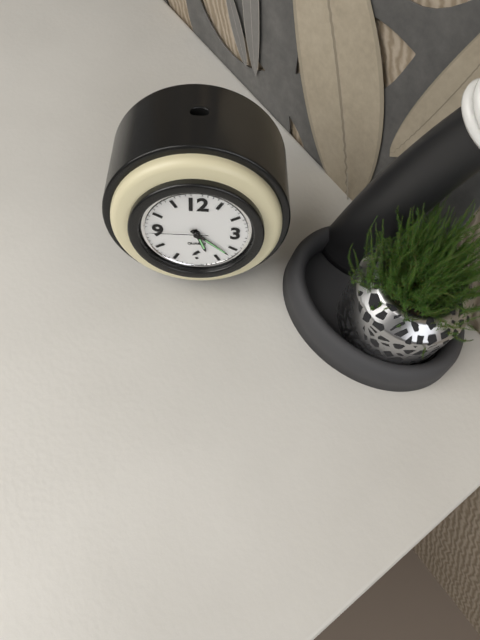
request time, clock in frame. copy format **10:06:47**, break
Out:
**5:22:45**
